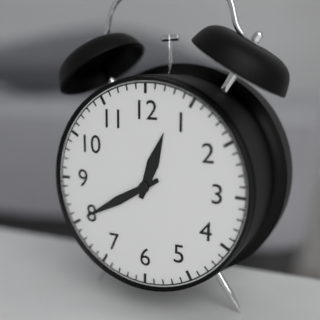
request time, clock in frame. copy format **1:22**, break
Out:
**12:40**
